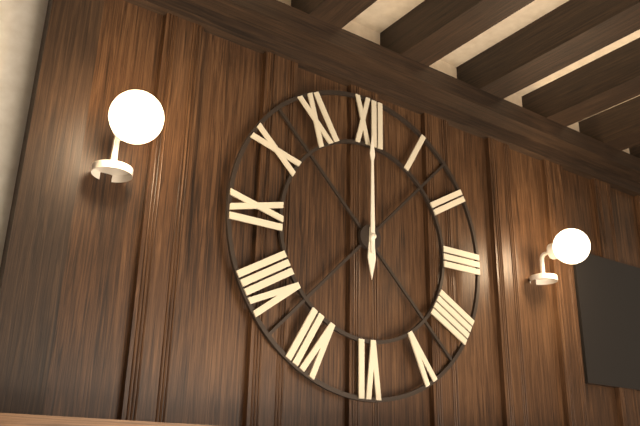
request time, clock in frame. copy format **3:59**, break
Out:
**6:00**
